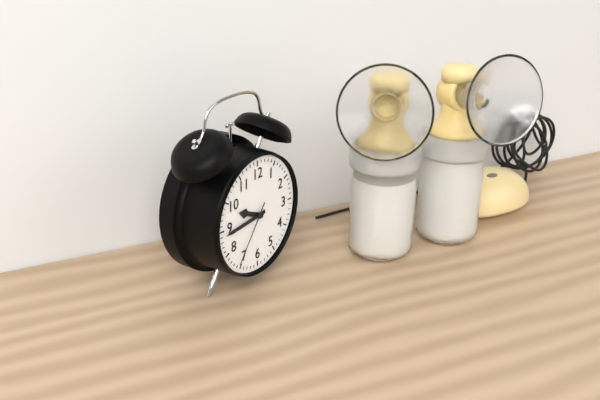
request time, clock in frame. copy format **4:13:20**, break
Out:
**9:44:36**
